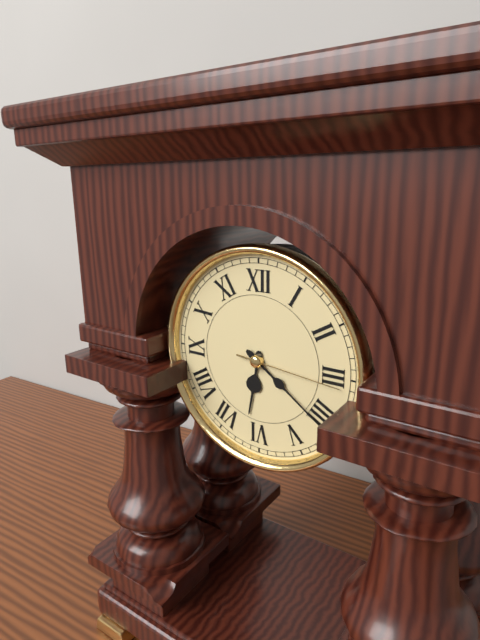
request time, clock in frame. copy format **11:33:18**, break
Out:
**6:21:16**
